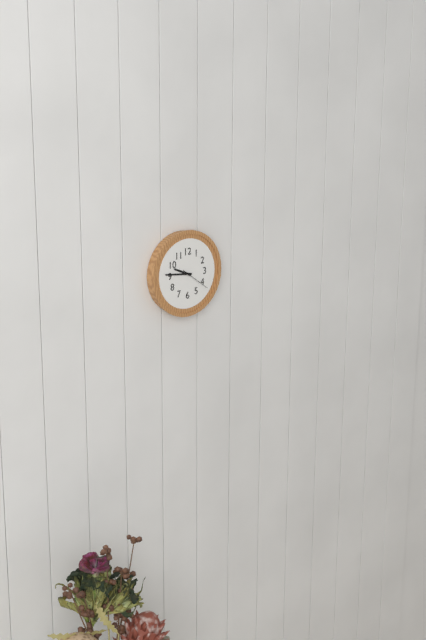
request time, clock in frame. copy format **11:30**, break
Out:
**9:46**
